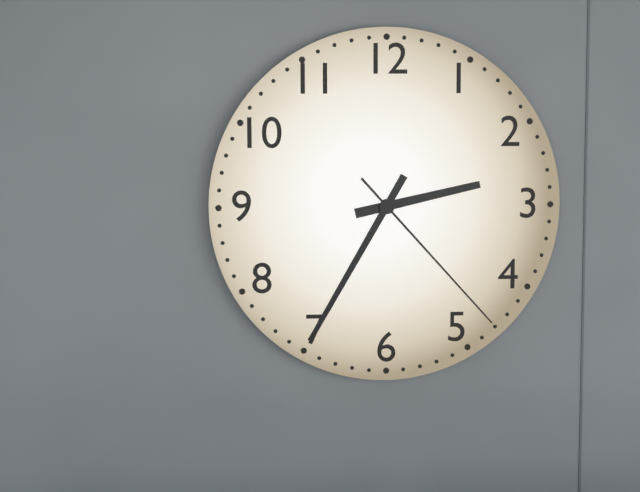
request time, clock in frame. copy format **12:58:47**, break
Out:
**2:35:23**
